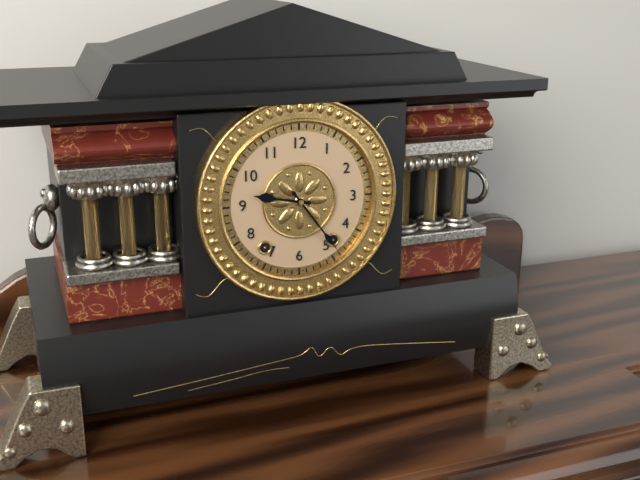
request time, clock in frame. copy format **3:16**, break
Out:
**9:24**
